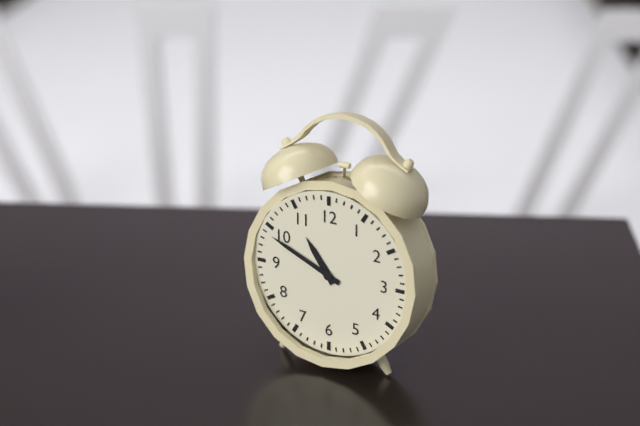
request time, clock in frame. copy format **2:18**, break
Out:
**10:49**
